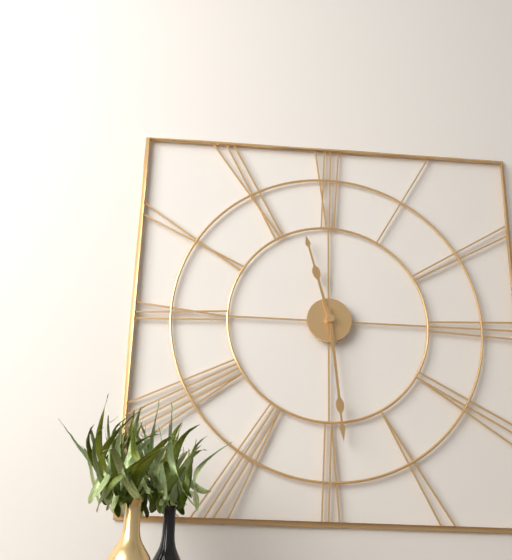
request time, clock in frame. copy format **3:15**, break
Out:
**11:29**
